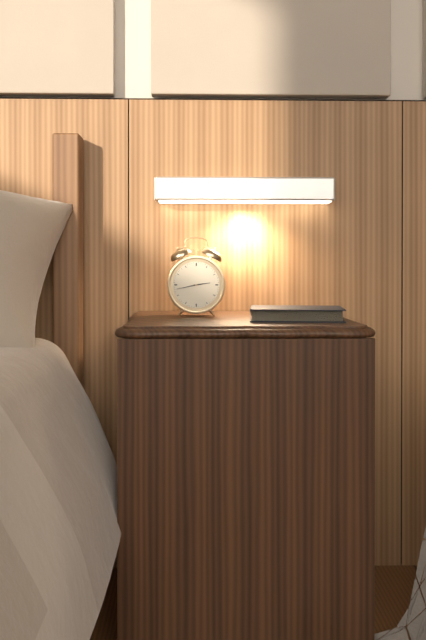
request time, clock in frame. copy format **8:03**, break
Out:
**2:43**
